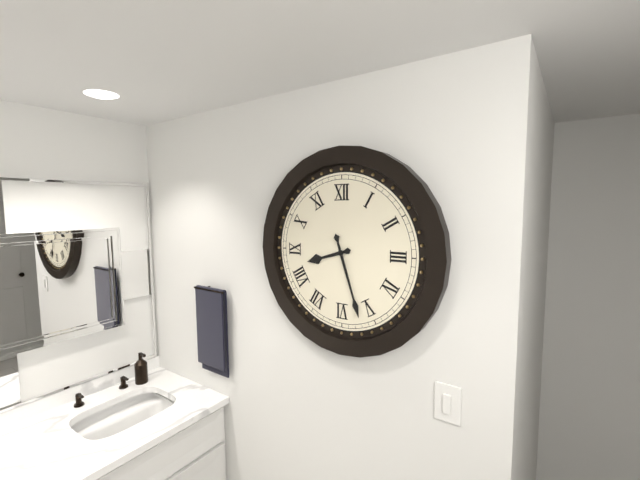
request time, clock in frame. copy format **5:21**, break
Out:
**8:27**
